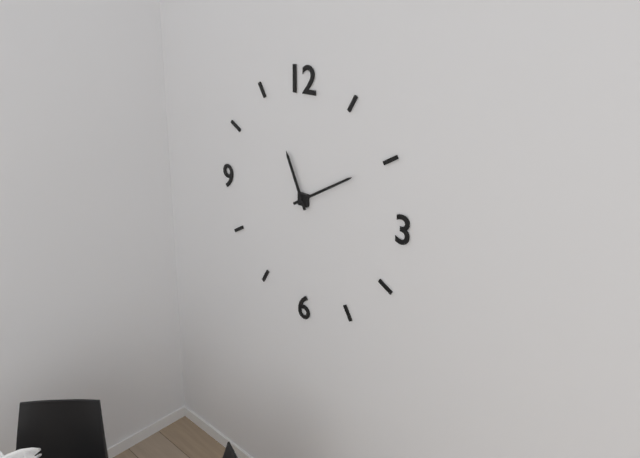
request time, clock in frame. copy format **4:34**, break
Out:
**11:10**
